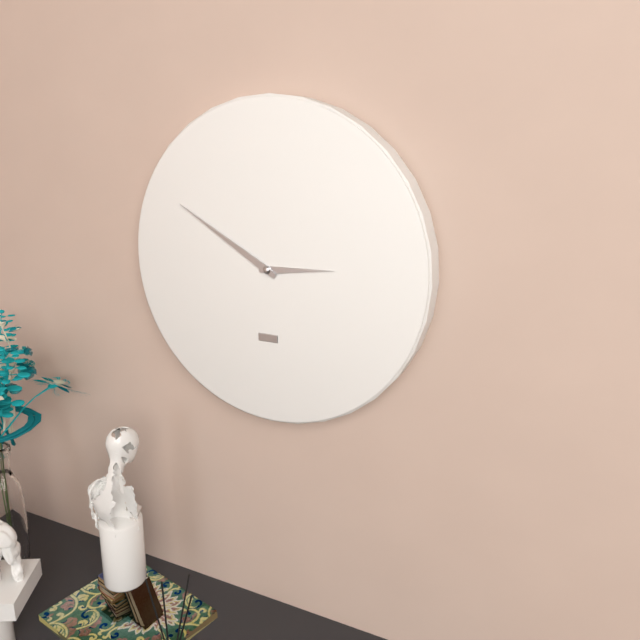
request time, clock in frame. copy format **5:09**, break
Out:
**2:50**
